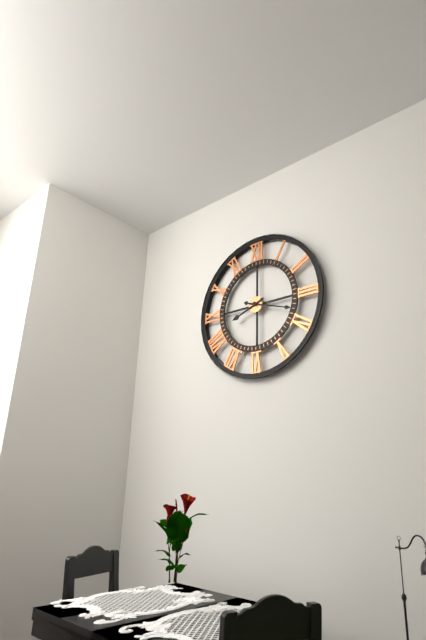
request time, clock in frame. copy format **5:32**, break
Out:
**8:18**
